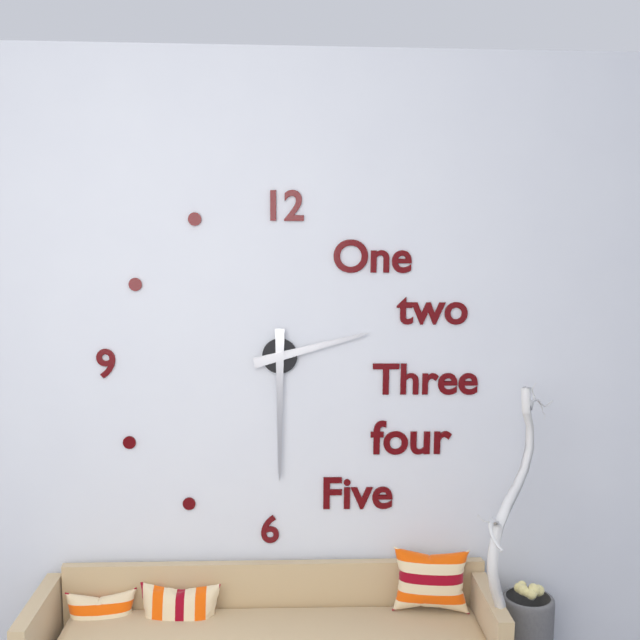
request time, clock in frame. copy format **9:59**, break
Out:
**2:30**
